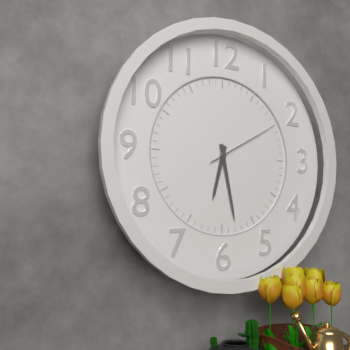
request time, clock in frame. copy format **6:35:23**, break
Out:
**6:28:10**
